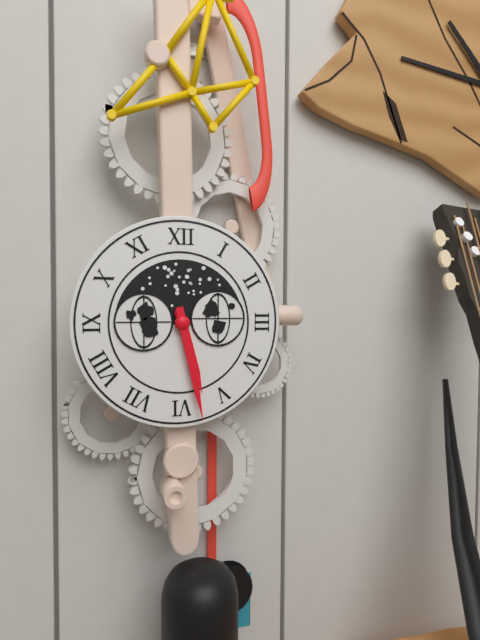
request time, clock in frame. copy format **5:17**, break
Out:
**5:28**
